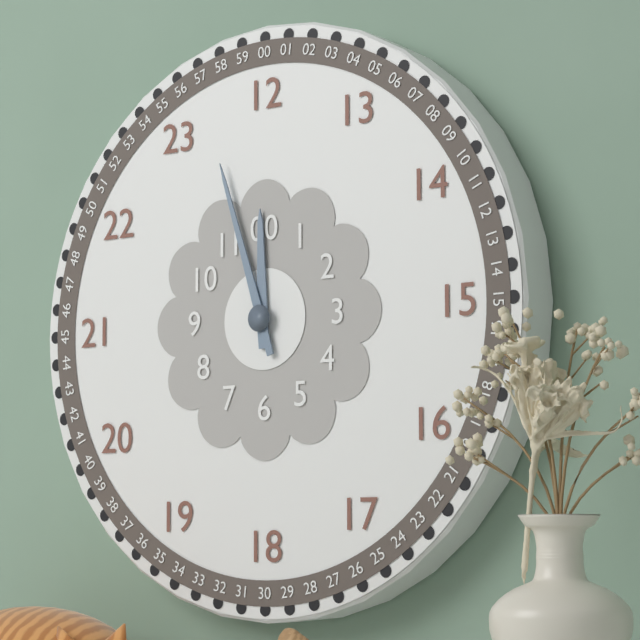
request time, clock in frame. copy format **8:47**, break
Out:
**11:57**
